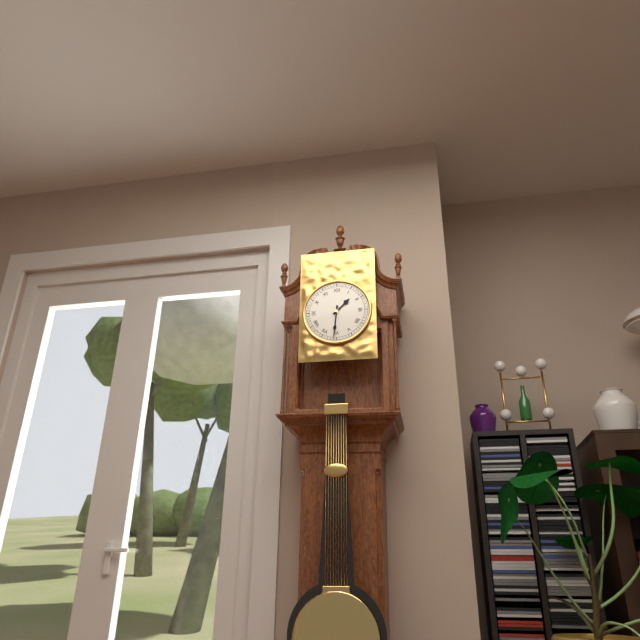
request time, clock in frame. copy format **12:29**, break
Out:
**1:31**
